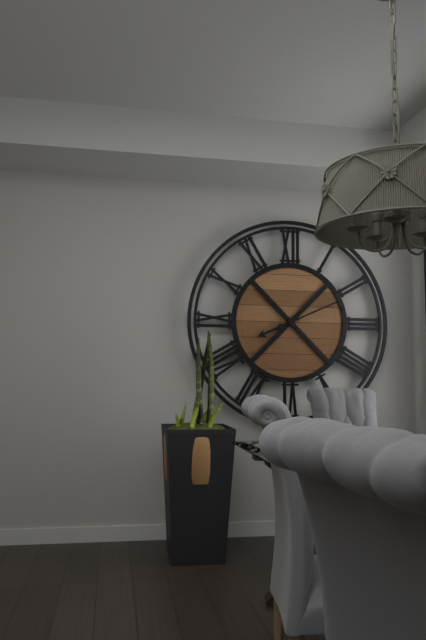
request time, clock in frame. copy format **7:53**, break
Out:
**8:11**
